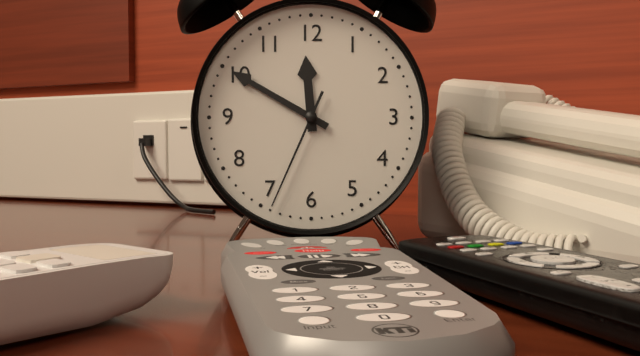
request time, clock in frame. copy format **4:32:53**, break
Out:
**11:50:34**
